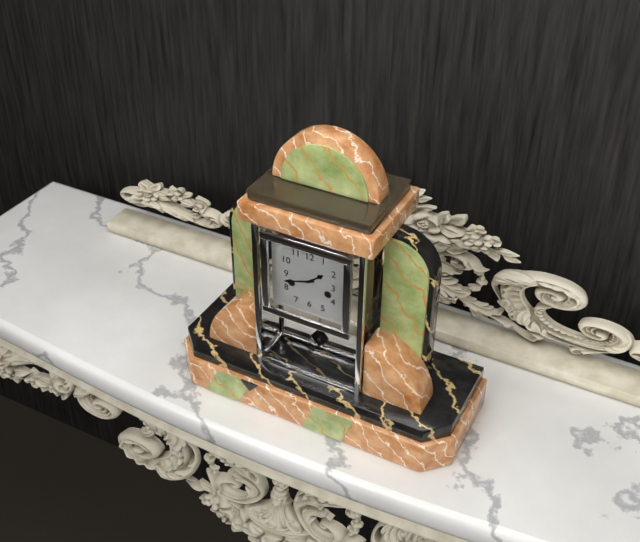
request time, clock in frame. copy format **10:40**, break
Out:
**1:42**
